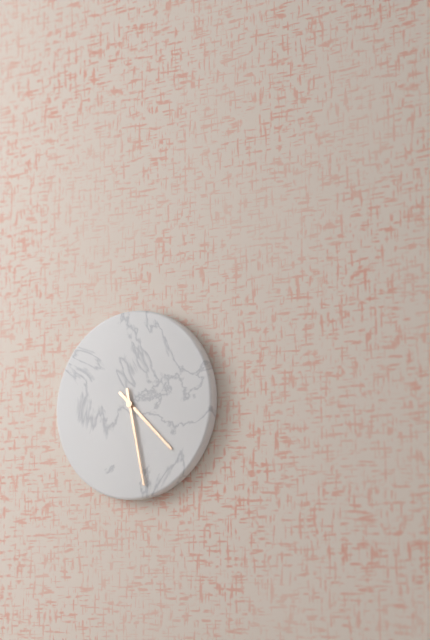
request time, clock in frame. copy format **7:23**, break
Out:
**4:28**
